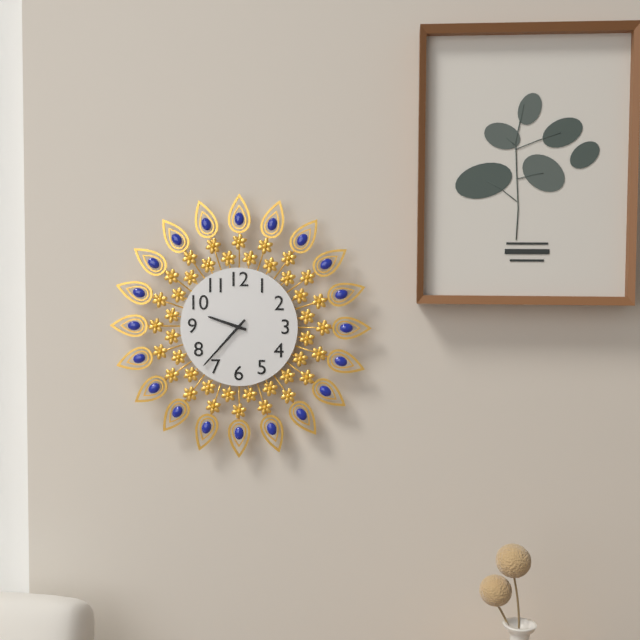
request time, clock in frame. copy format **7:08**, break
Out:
**9:37**
